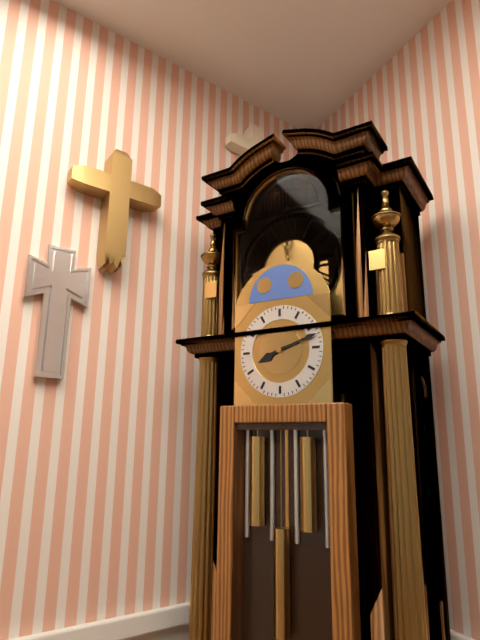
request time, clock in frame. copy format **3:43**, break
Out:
**8:12**
